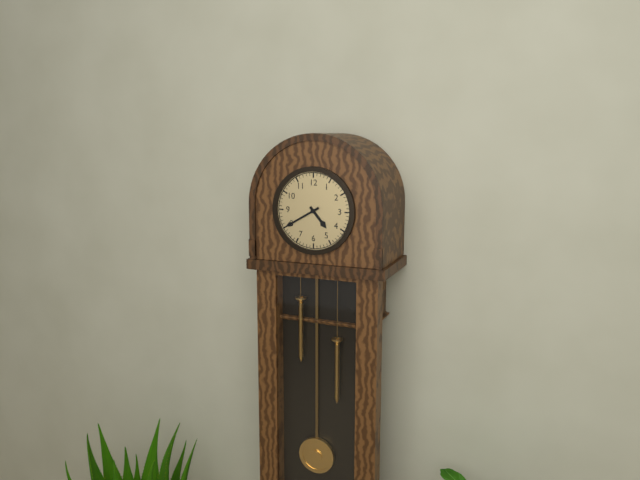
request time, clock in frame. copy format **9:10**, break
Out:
**4:40**
